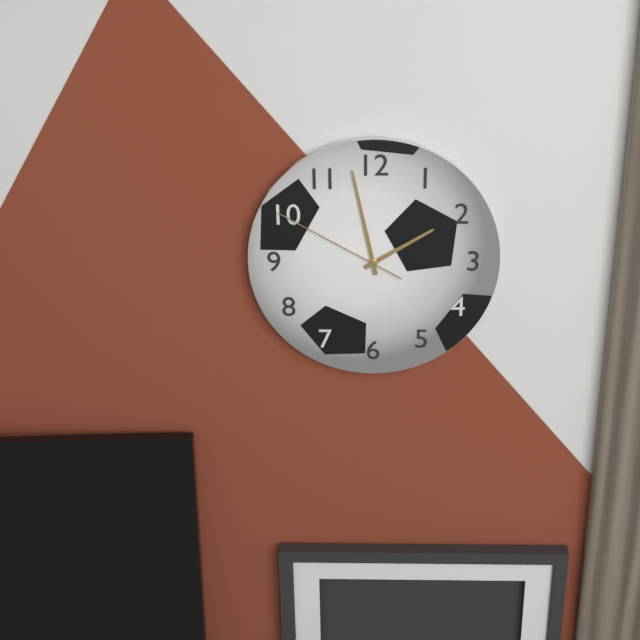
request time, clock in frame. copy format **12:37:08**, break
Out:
**1:58:50**
